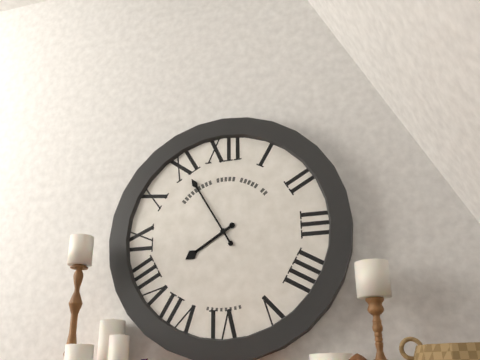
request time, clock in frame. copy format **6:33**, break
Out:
**7:55**
